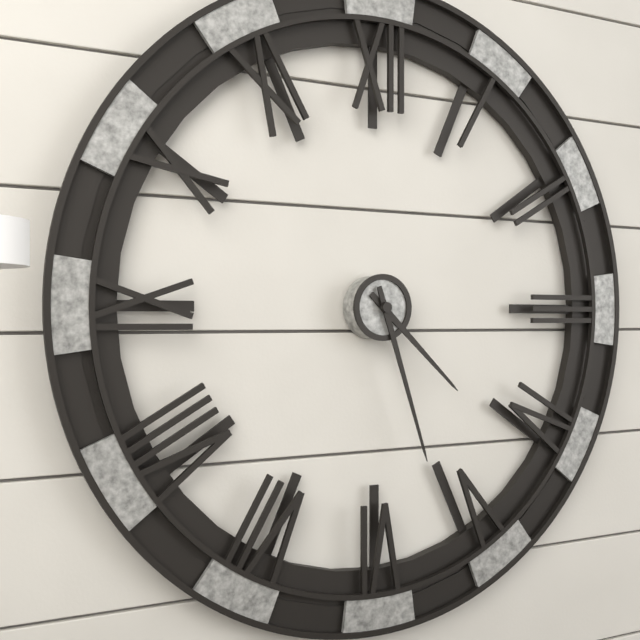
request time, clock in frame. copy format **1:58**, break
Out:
**4:27**
